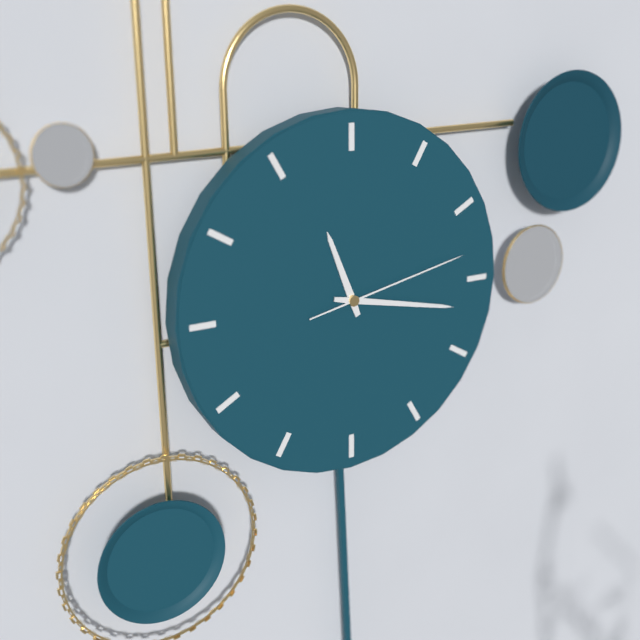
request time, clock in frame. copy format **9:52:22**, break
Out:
**11:17:13**
